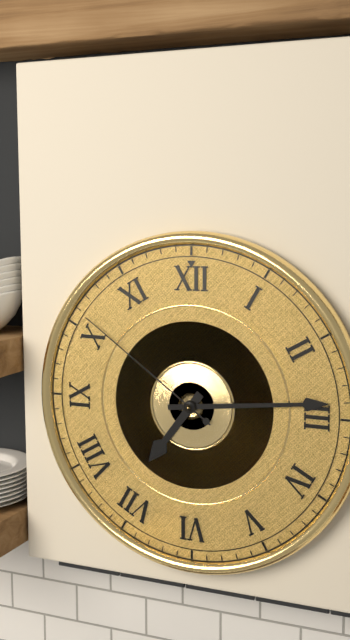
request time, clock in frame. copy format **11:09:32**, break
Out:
**7:14:51**
